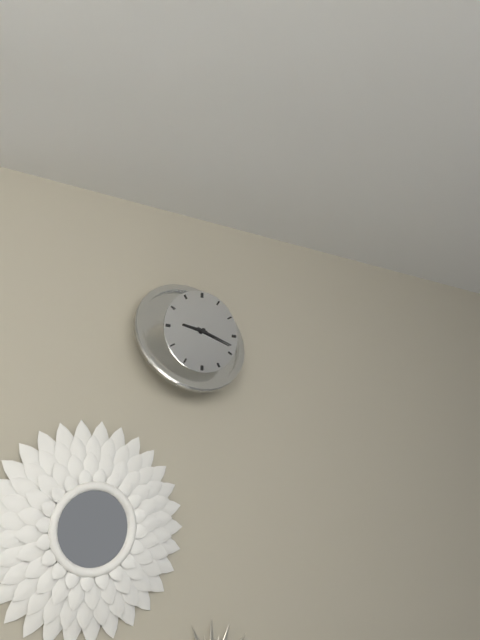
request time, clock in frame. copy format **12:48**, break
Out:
**9:18**
